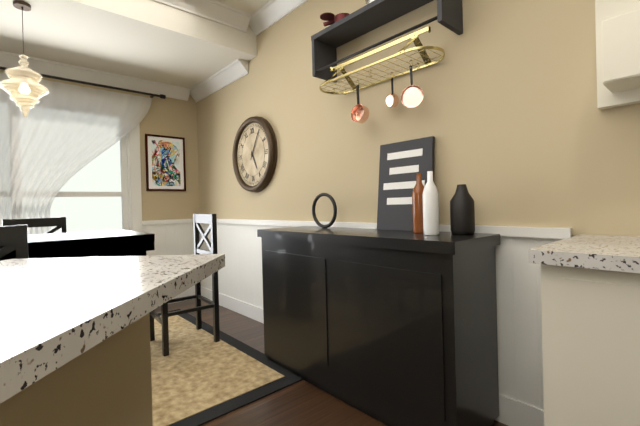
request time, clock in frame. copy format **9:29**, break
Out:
**5:05**
